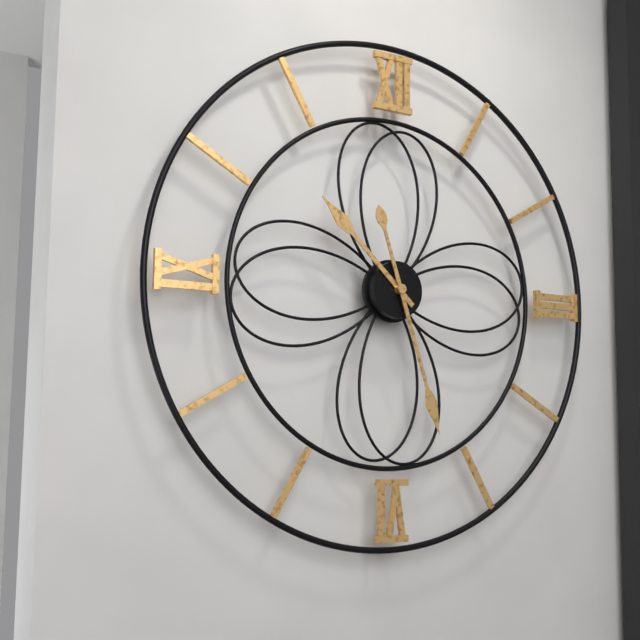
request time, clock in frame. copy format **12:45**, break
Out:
**10:27**
